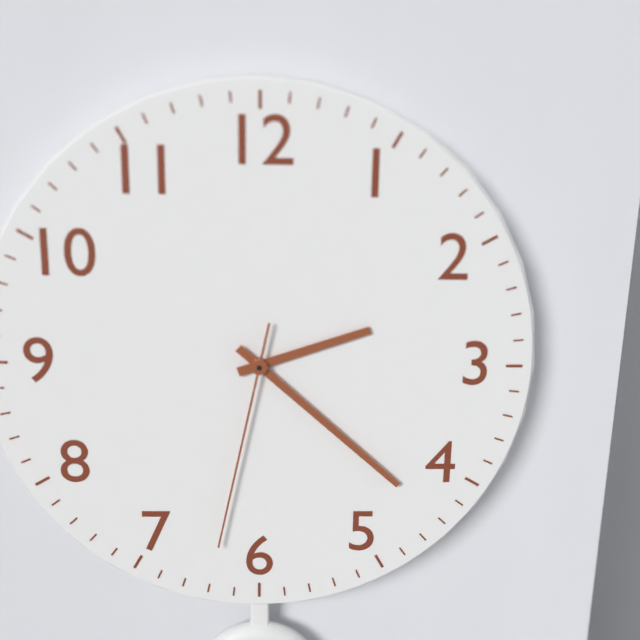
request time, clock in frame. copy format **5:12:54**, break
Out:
**2:22:32**
